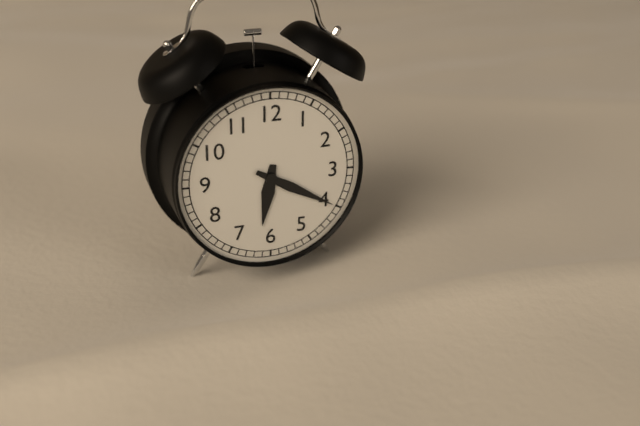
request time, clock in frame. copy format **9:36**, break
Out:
**6:20**
